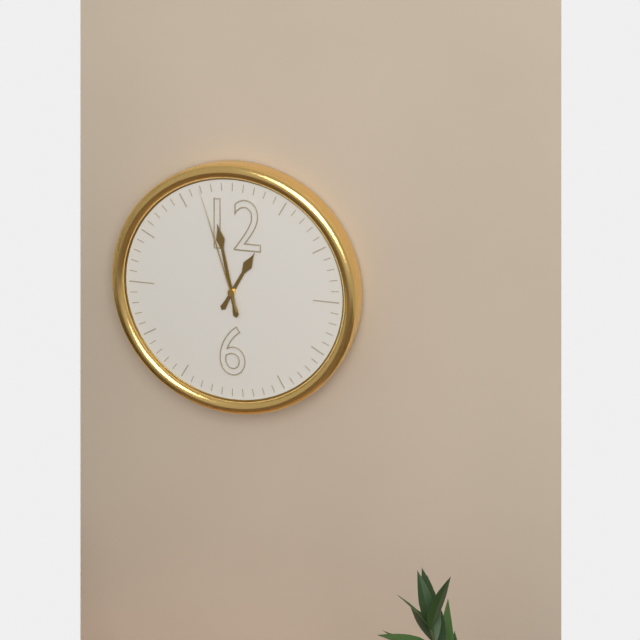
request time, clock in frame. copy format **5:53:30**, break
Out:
**12:58:57**
